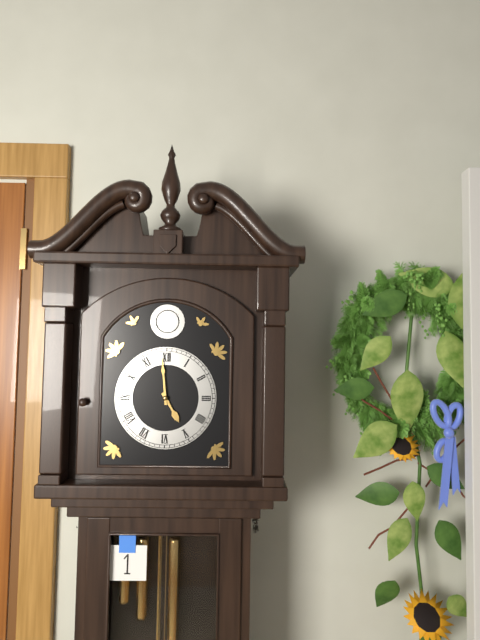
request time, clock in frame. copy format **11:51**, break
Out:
**4:59**
